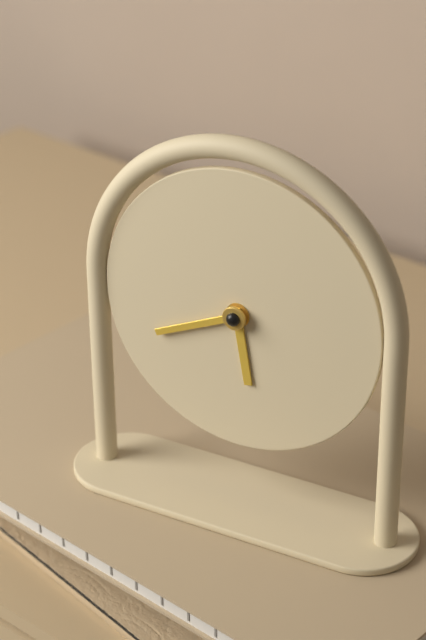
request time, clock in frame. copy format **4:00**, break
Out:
**5:41**
